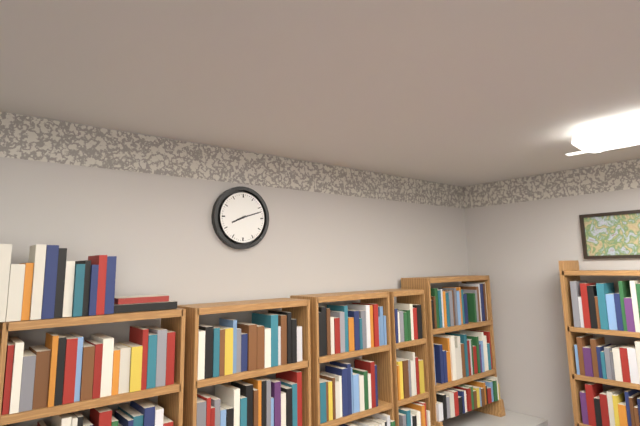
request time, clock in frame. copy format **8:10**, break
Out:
**8:12**
